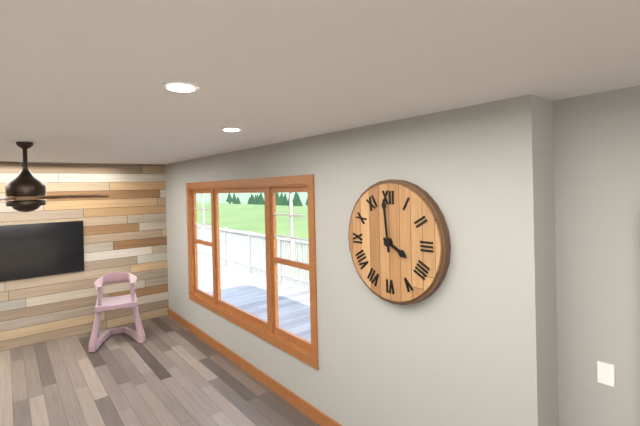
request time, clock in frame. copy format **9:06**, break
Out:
**3:59**
